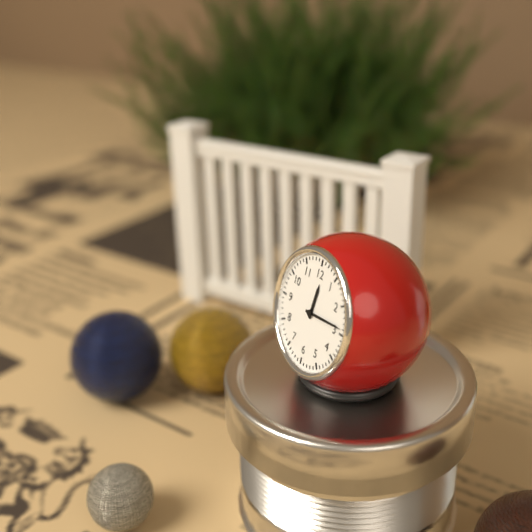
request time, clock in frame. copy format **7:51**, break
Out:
**12:14**
